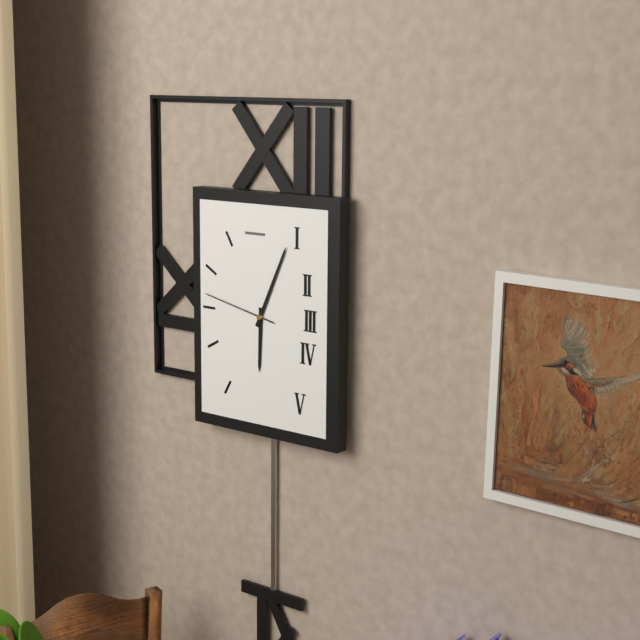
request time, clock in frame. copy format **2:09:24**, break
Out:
**6:04:47**
